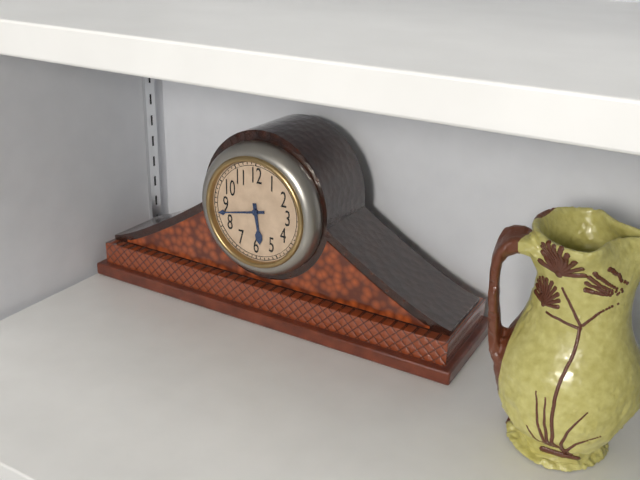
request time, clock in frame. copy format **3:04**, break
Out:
**5:43**
